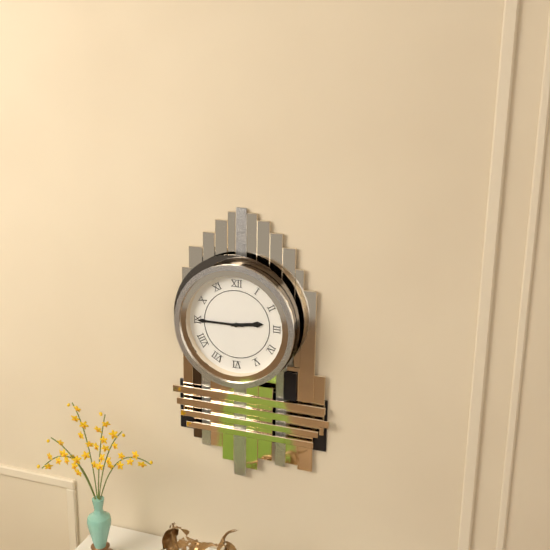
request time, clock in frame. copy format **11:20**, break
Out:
**2:45**
